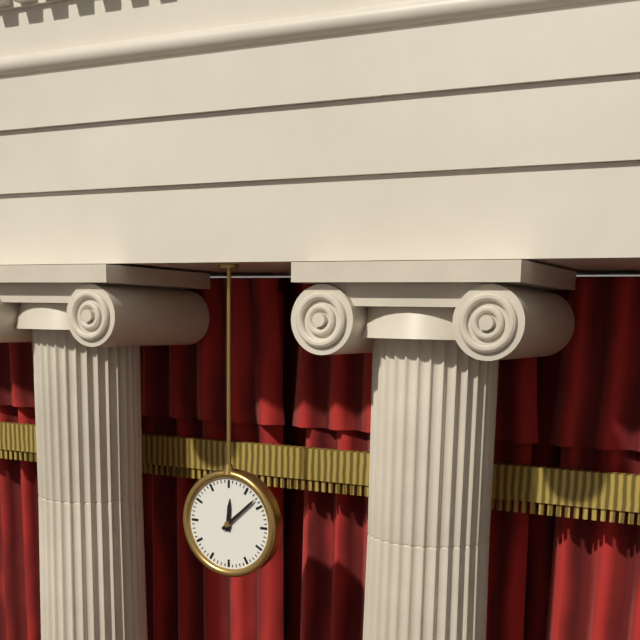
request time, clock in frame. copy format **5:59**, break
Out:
**12:08**
